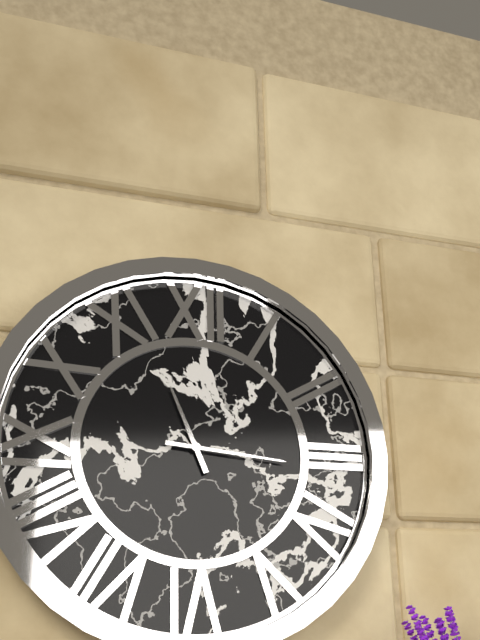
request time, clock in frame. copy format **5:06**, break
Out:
**11:16**
